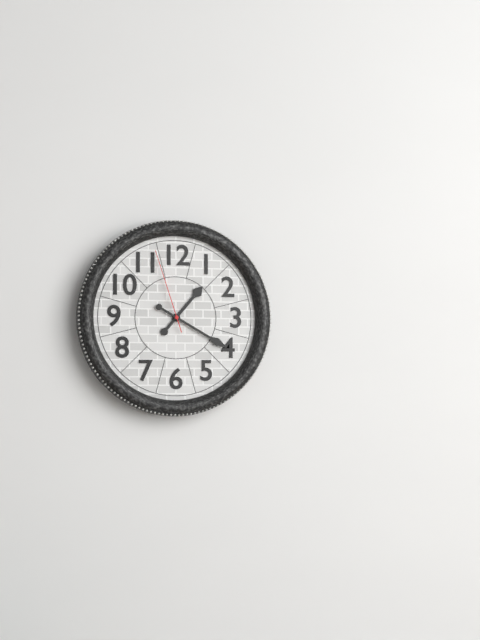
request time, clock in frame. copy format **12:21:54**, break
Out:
**1:20:57**
